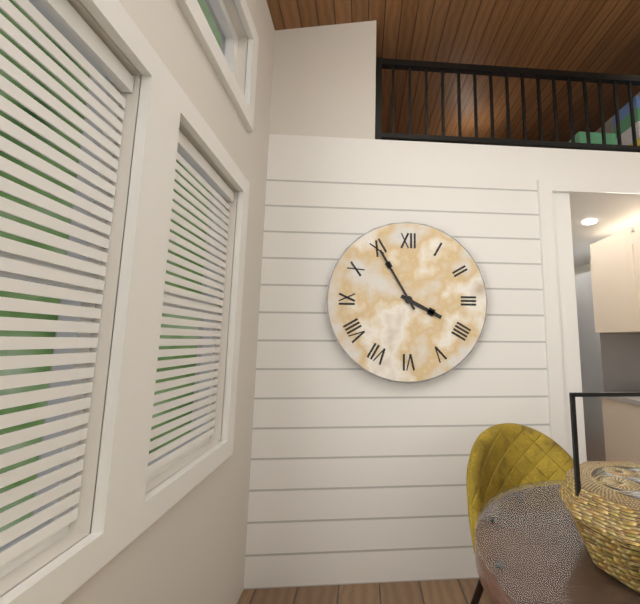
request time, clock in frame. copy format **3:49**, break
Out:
**3:55**
